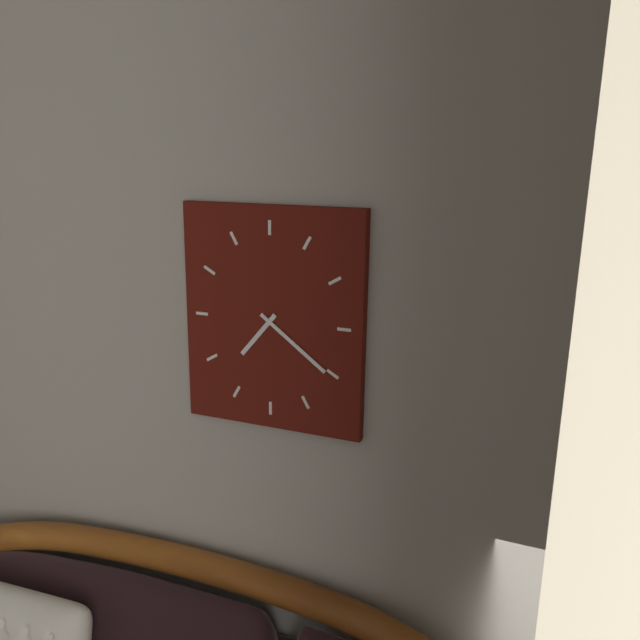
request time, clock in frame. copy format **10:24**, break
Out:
**7:21**
